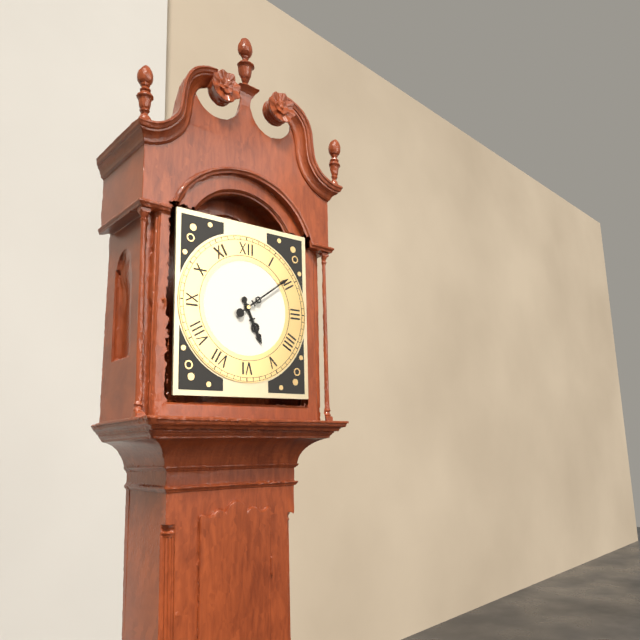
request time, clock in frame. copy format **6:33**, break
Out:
**5:09**
